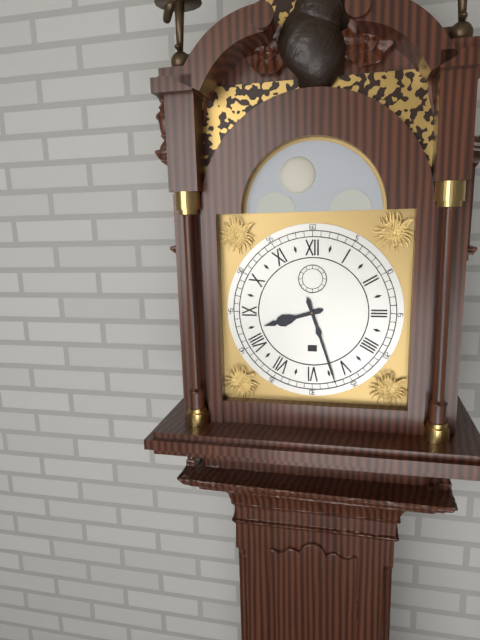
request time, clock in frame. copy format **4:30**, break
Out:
**8:27**
